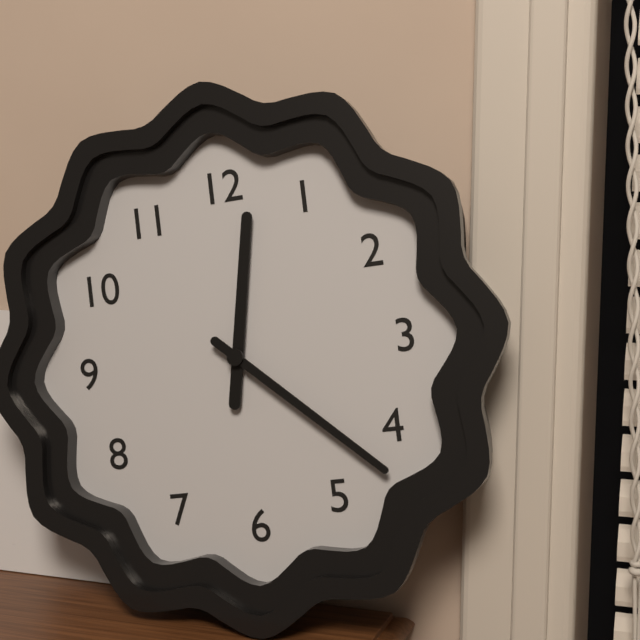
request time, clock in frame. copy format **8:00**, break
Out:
**12:22**
